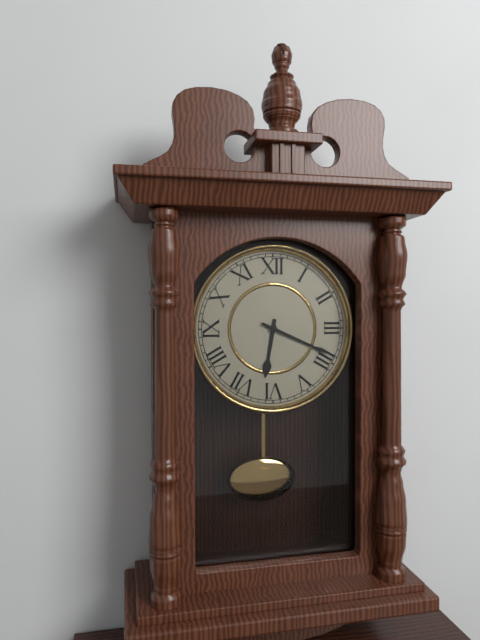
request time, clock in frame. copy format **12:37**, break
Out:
**6:19**
